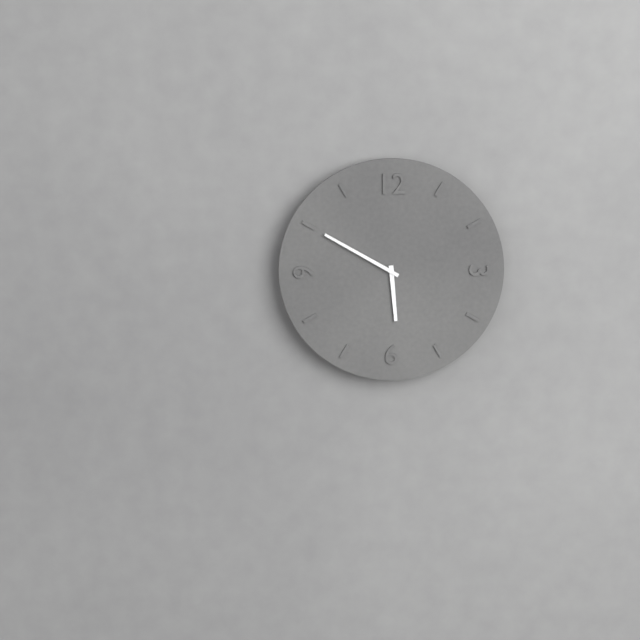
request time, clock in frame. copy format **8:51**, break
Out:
**5:50**
